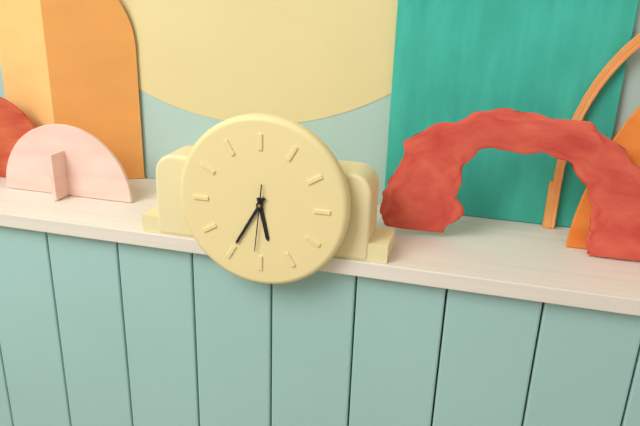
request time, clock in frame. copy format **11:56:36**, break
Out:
**5:35:31**
